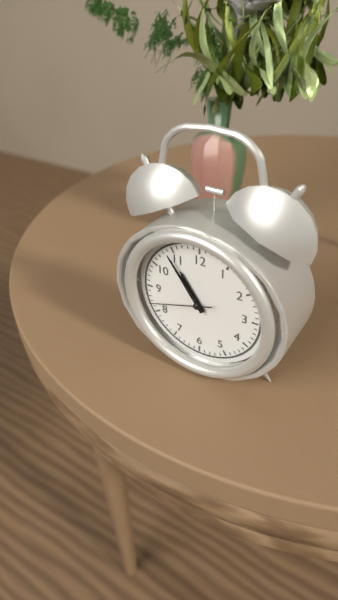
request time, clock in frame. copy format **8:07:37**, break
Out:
**10:54:42**
